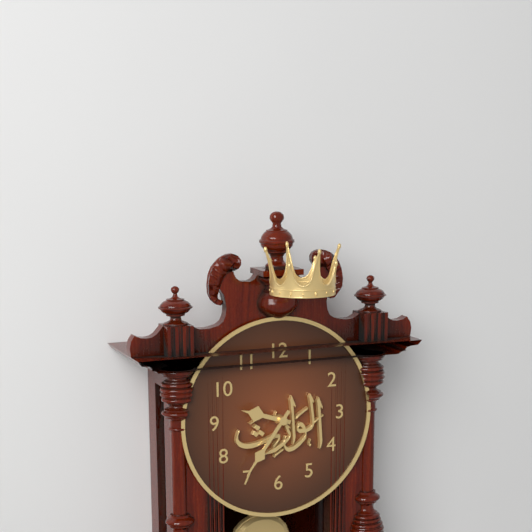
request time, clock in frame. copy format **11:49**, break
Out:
**9:36**
